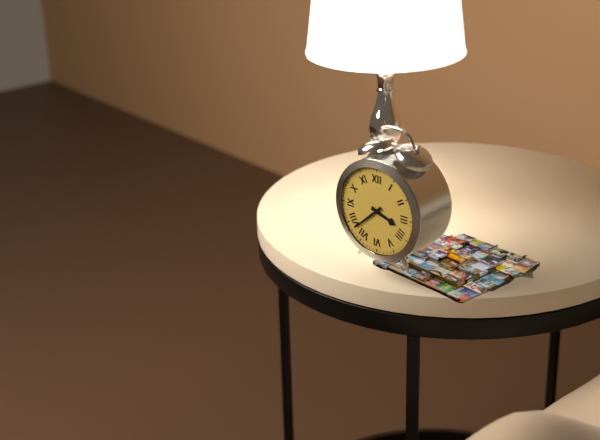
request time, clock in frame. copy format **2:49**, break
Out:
**3:38**
